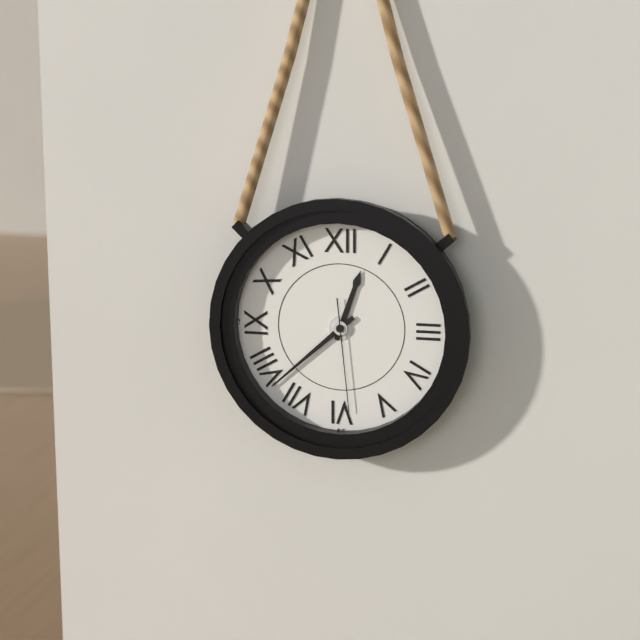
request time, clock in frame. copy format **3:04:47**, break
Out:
**12:38:29**
